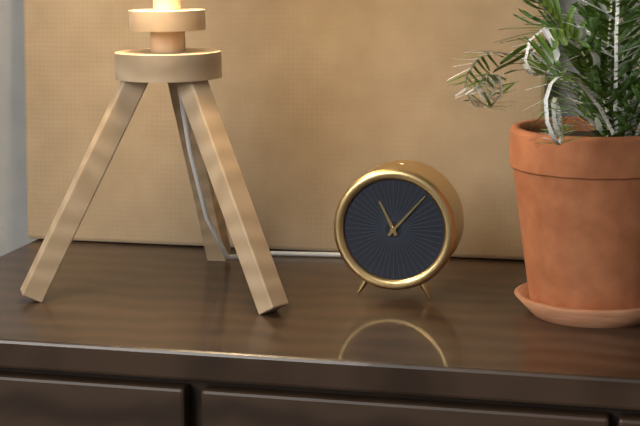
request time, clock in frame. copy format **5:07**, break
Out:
**11:07**
